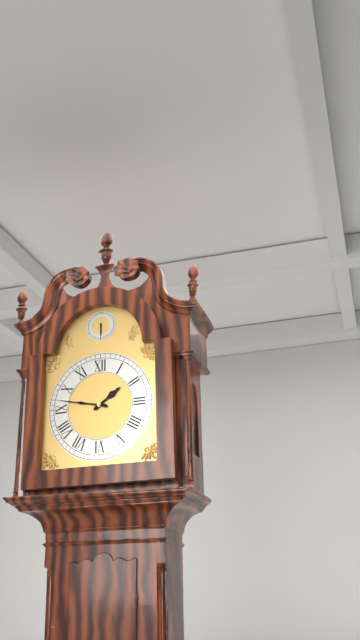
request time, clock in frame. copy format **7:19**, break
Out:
**1:47**
